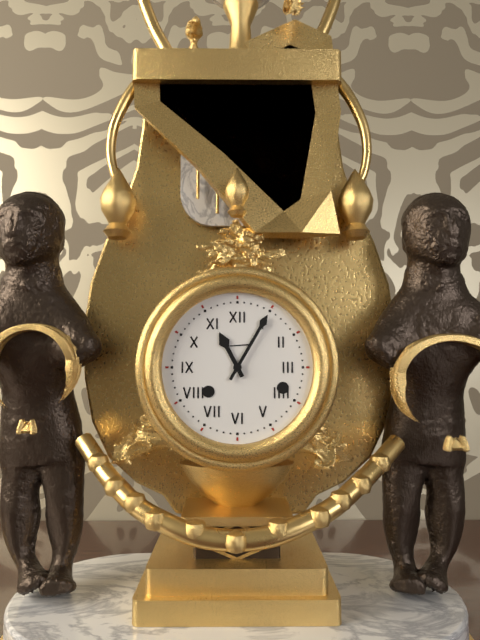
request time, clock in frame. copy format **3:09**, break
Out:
**11:05**
